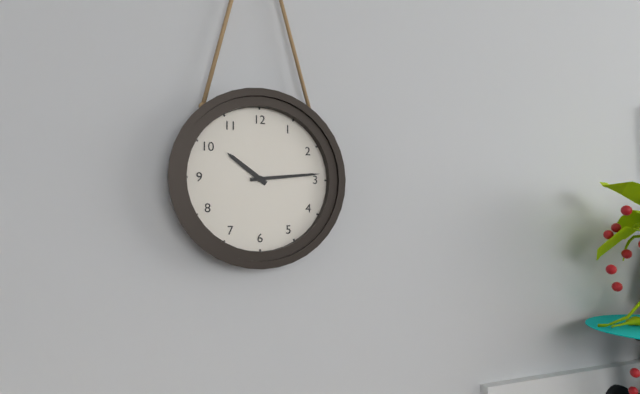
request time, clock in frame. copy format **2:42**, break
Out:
**10:14**
